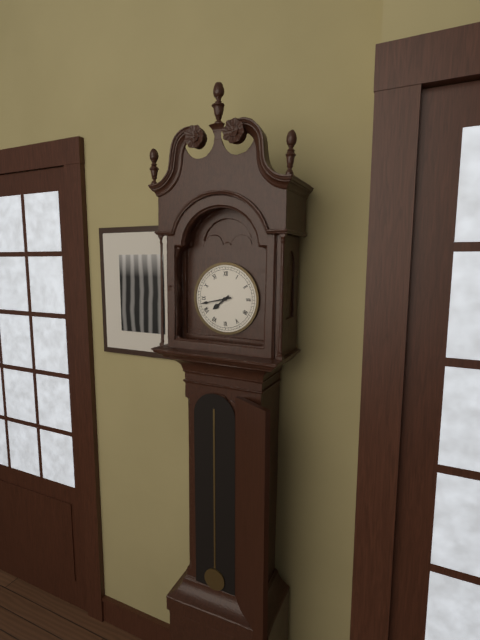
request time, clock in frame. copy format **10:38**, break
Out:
**7:43**
